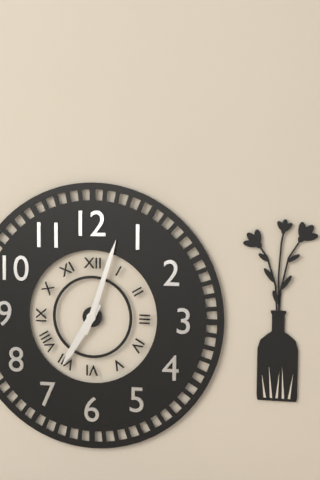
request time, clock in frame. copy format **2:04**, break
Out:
**7:03**
